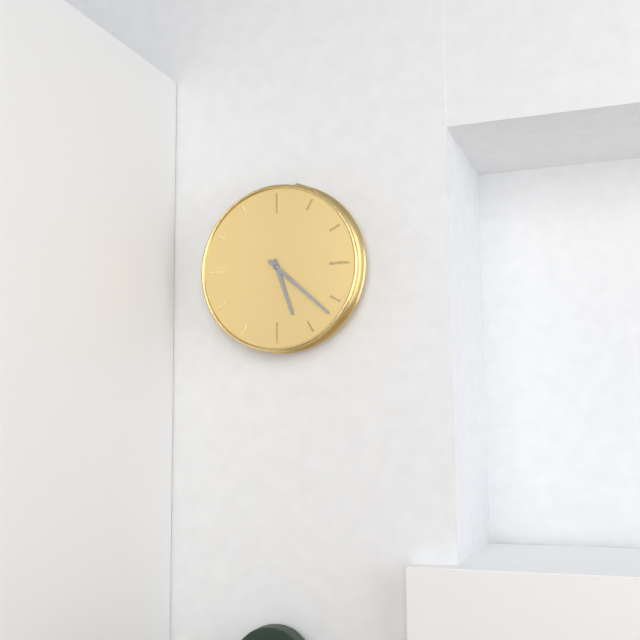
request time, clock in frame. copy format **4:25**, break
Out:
**5:22**
